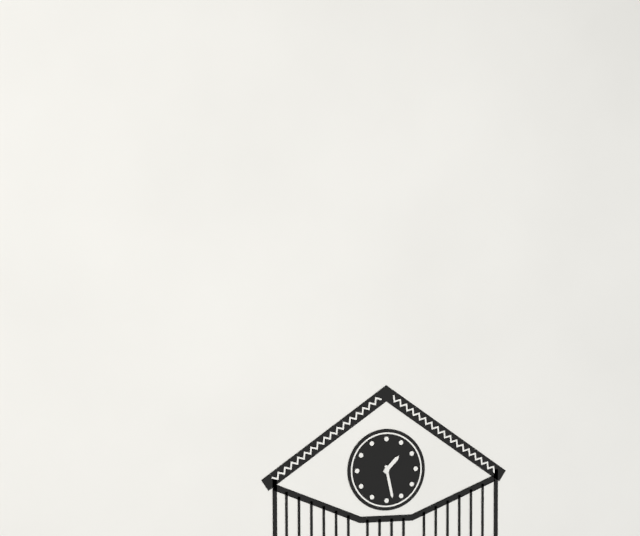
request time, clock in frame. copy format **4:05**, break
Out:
**1:28**
